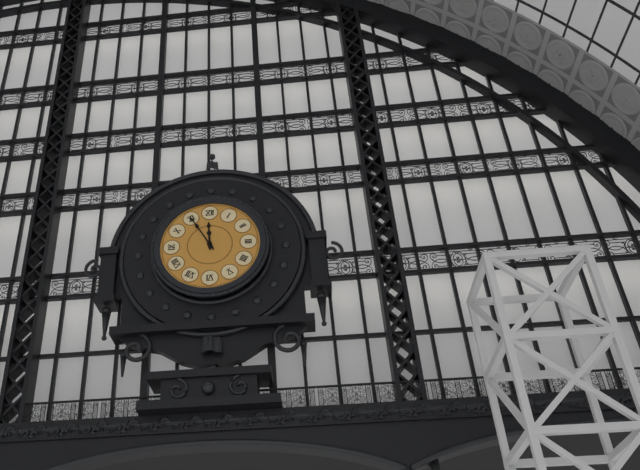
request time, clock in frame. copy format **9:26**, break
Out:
**11:55**
